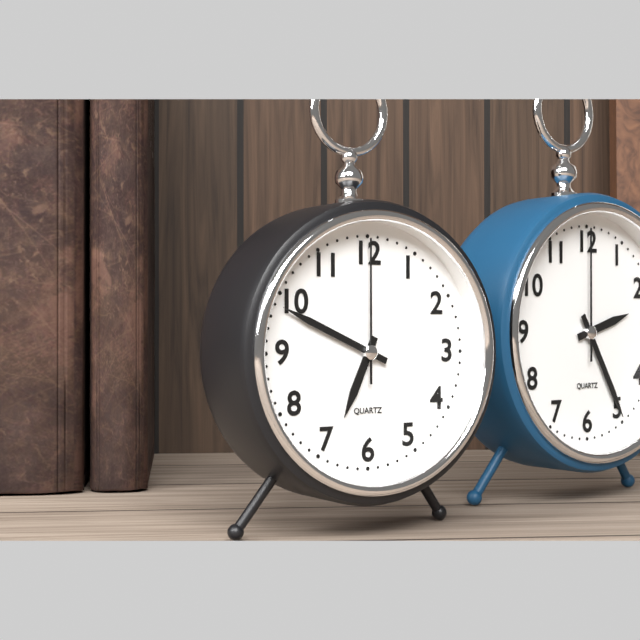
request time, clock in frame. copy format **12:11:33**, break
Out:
**6:49:00**
